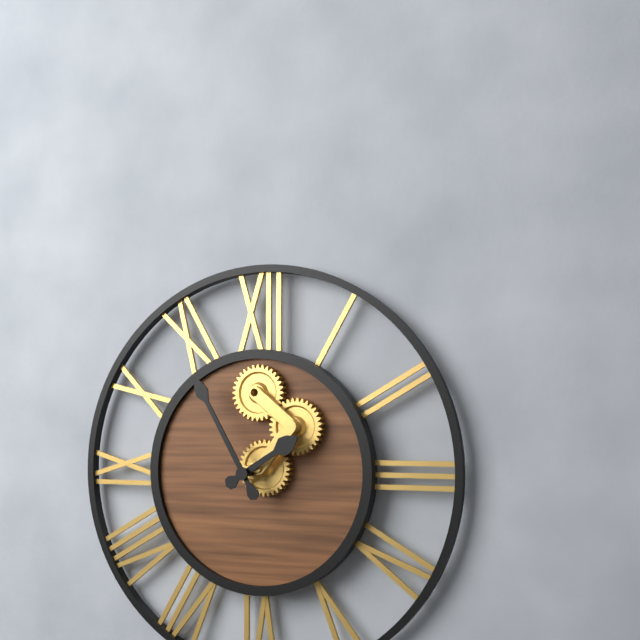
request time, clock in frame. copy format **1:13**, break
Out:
**1:55**
